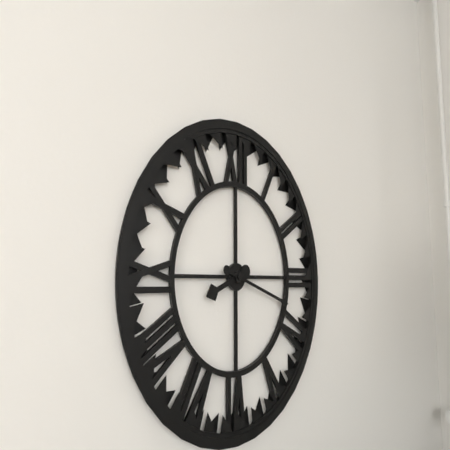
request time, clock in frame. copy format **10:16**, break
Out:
**8:18**
